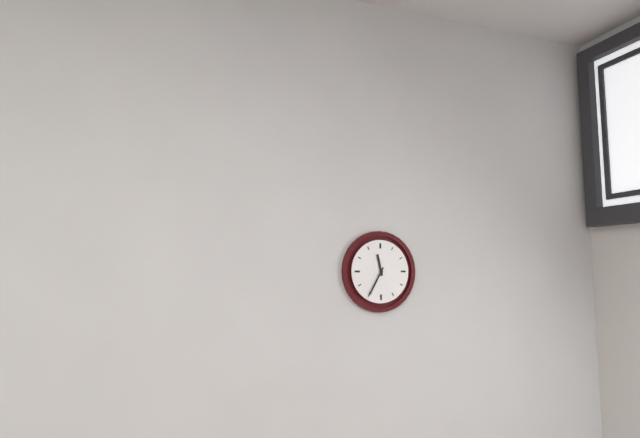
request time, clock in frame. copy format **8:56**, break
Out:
**11:35**
